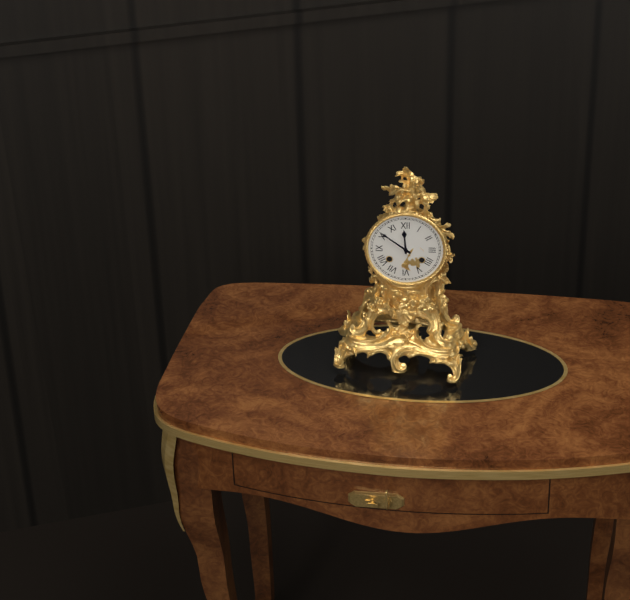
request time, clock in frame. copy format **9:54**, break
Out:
**11:51**
